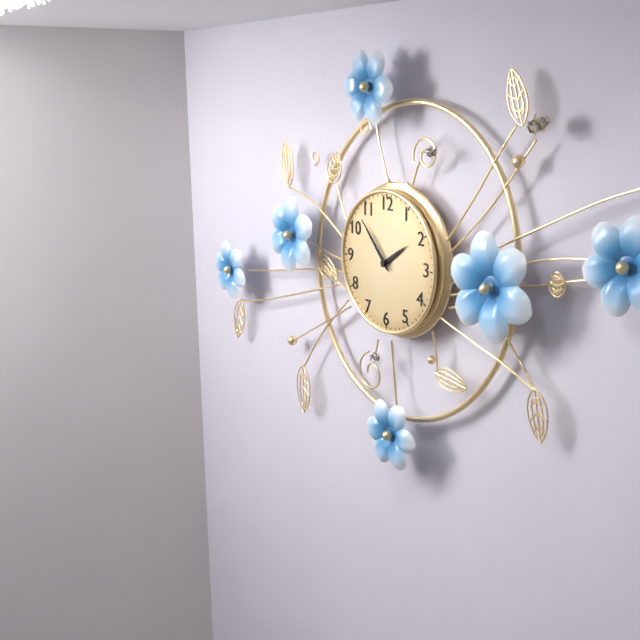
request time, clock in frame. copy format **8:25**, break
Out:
**1:53**
